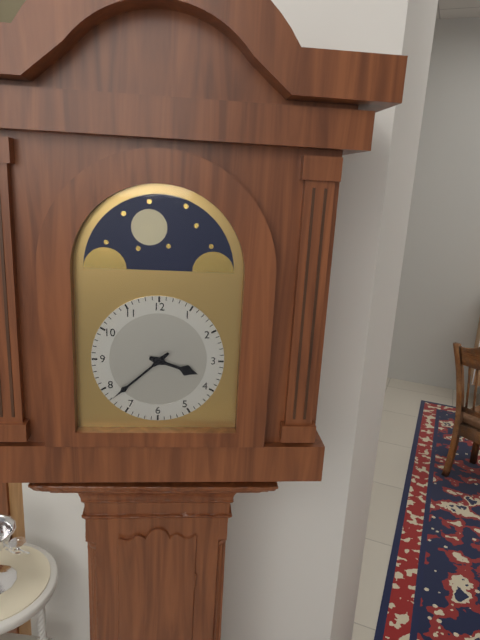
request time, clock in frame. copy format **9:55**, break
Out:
**3:38**
